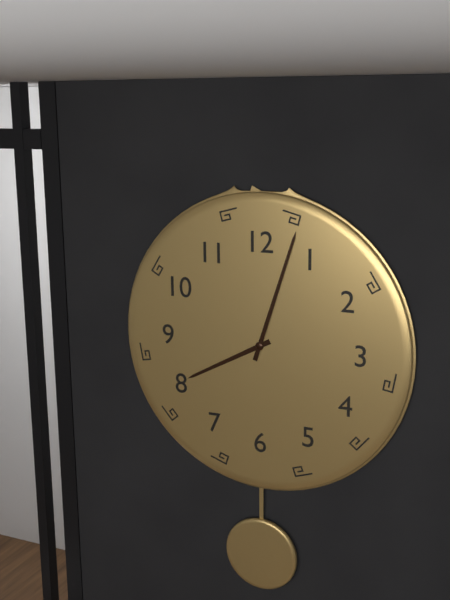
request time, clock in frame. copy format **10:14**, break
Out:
**8:03**
